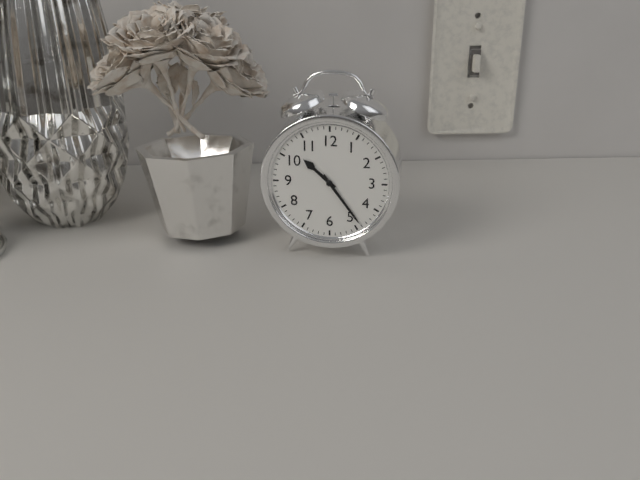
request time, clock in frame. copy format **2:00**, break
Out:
**10:24**
